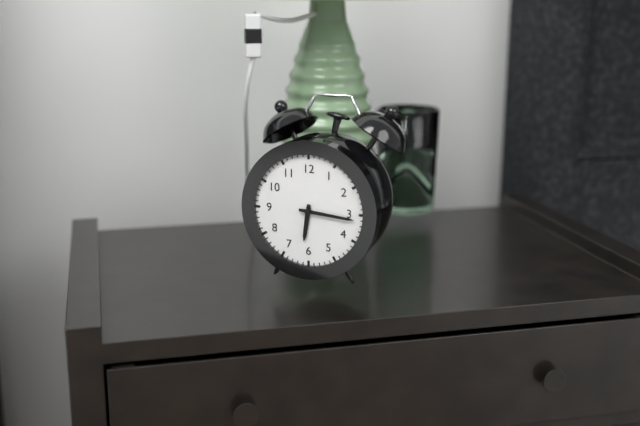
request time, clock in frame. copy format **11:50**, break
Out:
**6:16**
